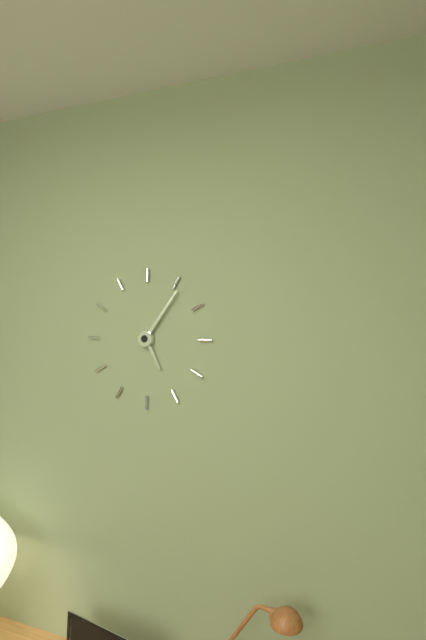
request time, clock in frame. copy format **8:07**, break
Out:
**5:06**
